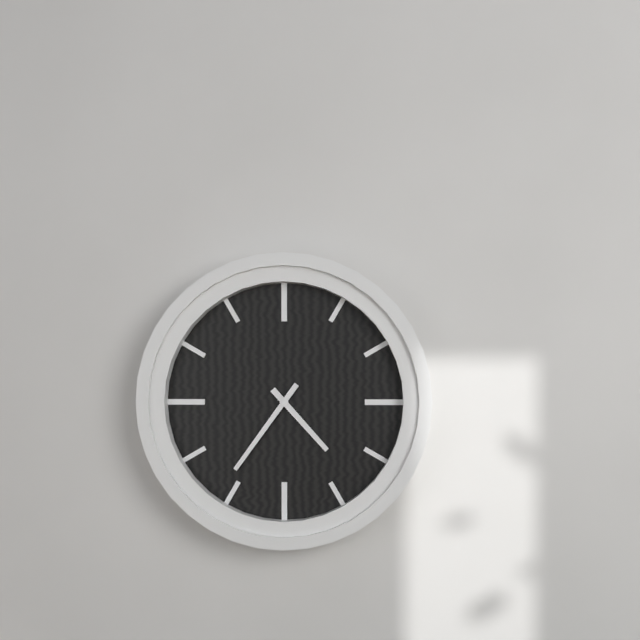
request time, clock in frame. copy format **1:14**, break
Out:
**4:36**
